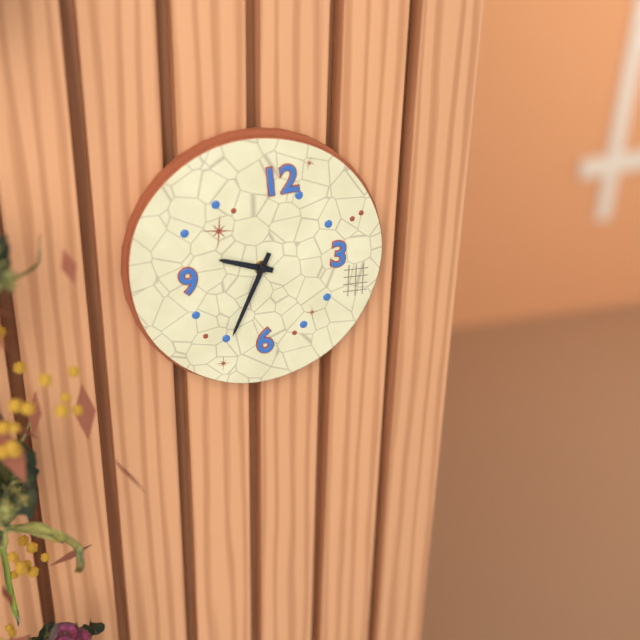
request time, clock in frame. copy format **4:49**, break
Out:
**9:34**
